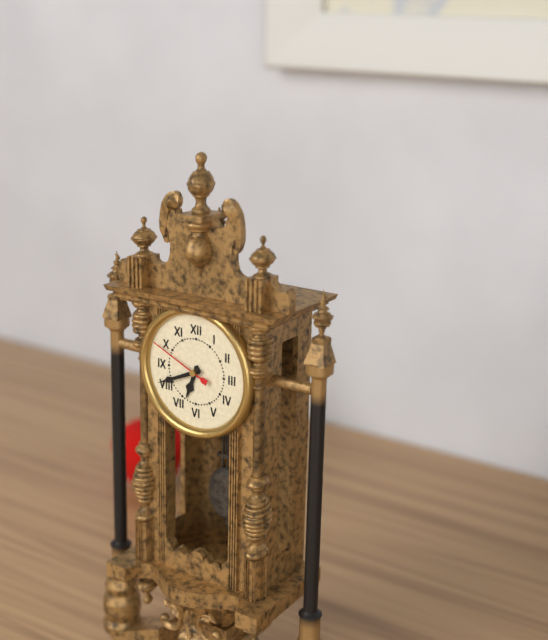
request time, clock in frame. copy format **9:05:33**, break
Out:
**6:41:49**
